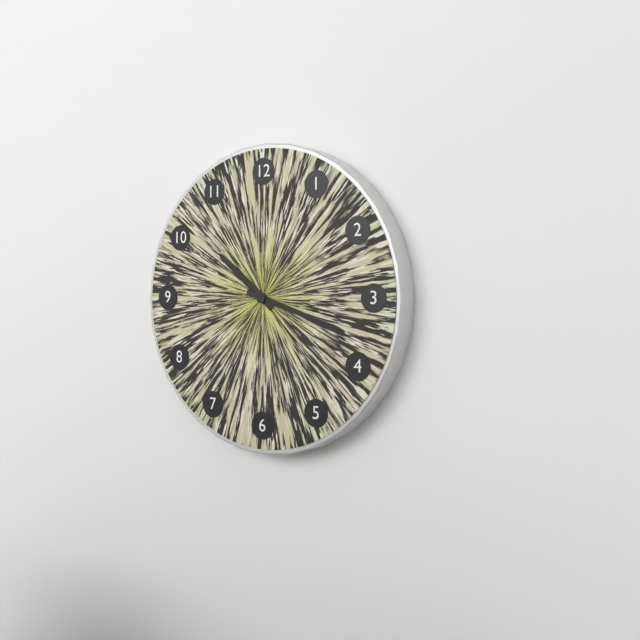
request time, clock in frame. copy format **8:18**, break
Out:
**10:18**
